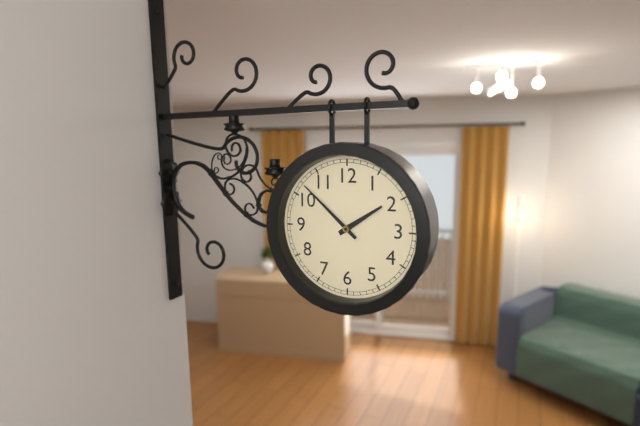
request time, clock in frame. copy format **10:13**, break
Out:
**1:52**
